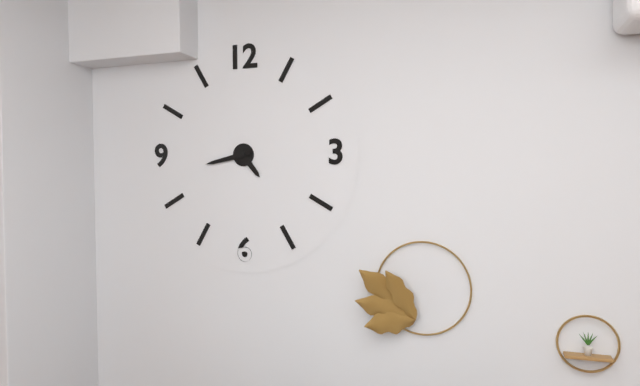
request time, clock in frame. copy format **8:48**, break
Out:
**4:43**
